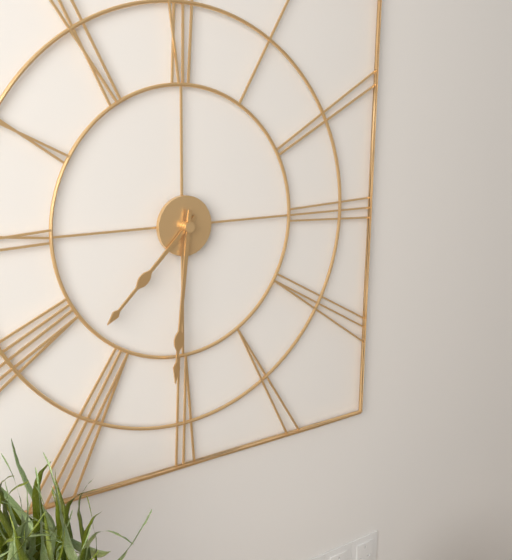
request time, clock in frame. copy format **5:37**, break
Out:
**7:31**
